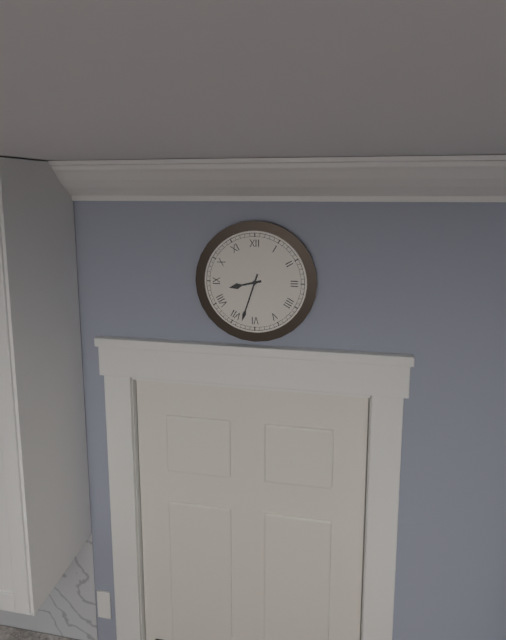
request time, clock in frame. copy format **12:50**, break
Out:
**8:33**
